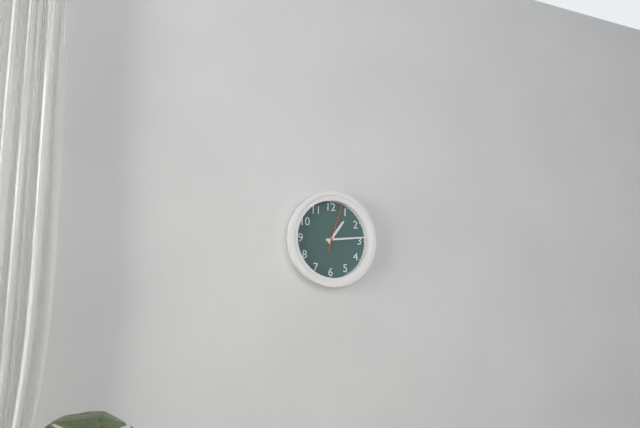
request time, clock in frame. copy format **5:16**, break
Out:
**1:14**
